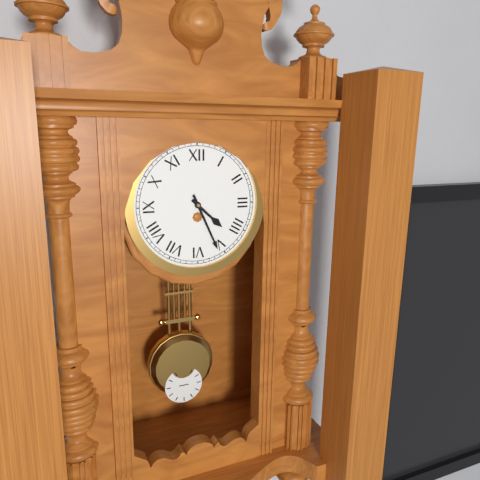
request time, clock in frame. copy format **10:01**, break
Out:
**4:26**
